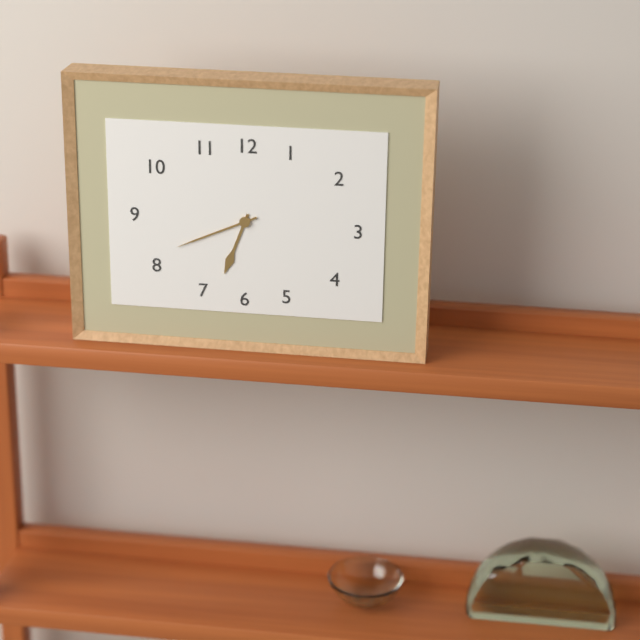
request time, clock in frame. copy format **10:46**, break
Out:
**6:41**
